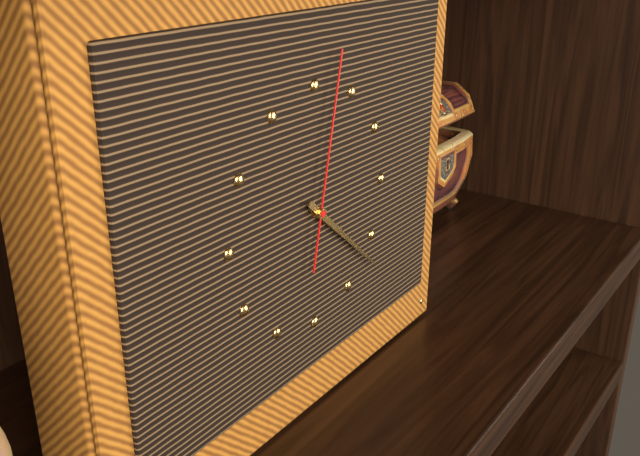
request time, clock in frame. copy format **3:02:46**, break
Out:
**4:22:02**
